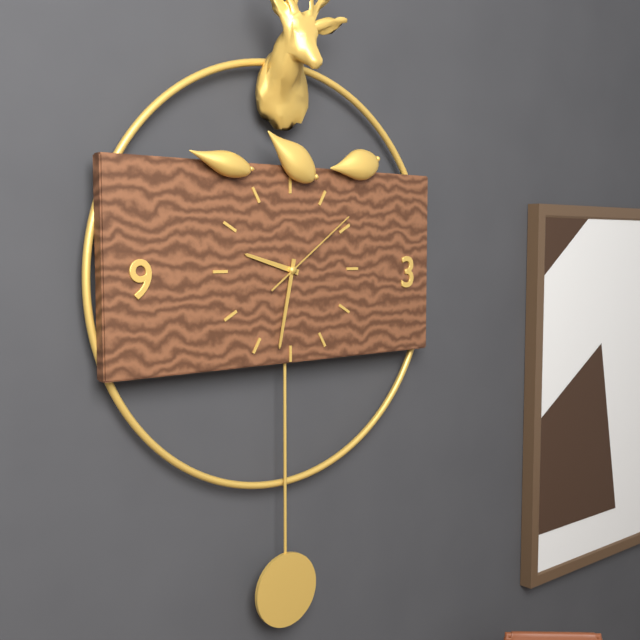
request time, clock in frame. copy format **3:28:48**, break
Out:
**9:32:09**
